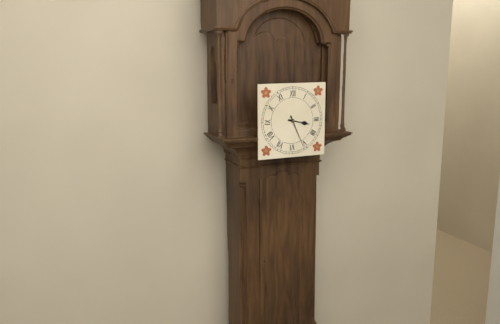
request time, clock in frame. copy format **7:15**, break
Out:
**3:26**
